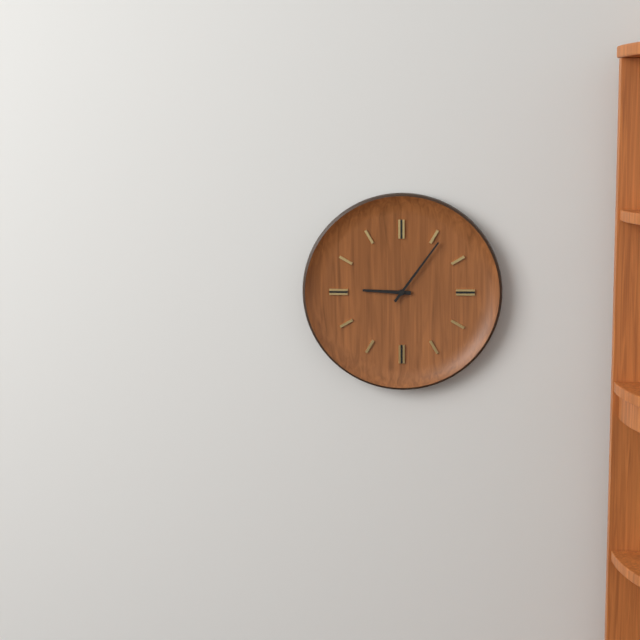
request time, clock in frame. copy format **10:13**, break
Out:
**9:06**
